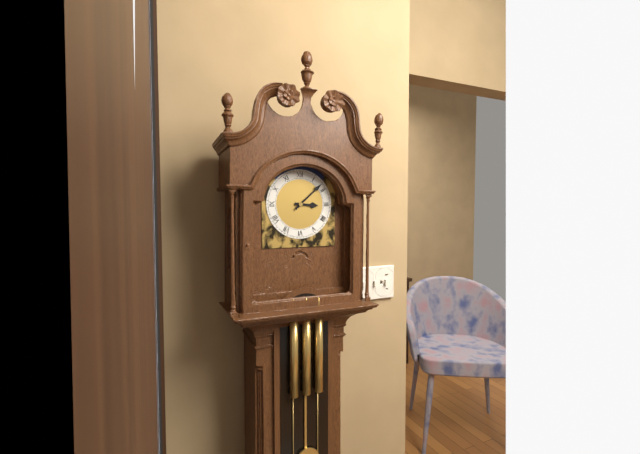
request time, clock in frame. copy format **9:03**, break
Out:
**3:08**
